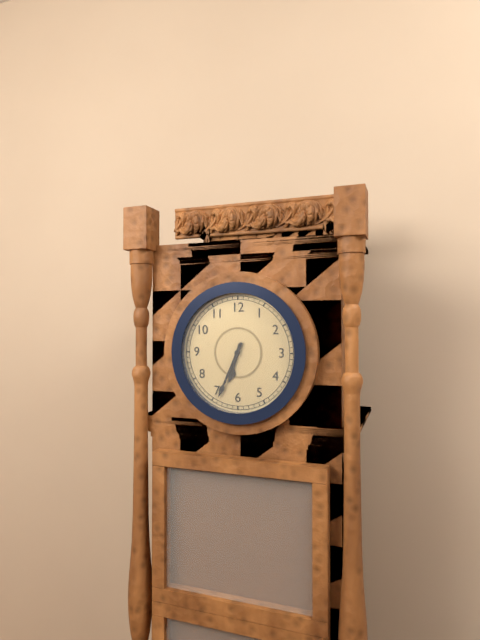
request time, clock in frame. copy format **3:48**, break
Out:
**6:34**
